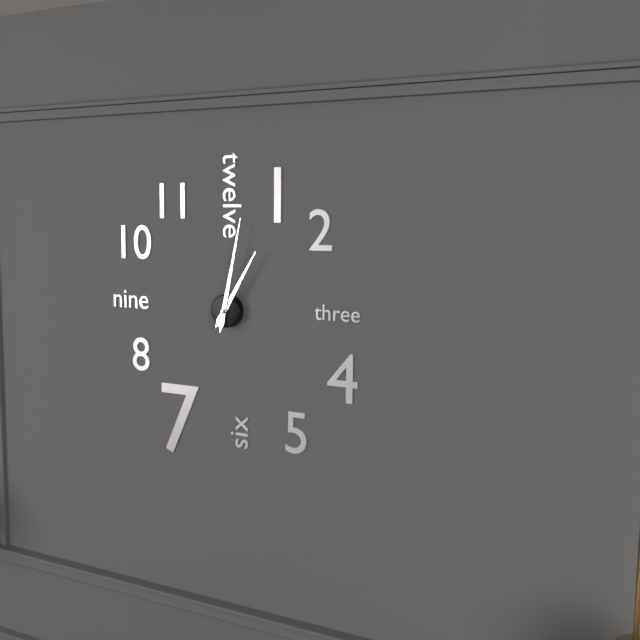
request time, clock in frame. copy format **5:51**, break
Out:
**1:02**
